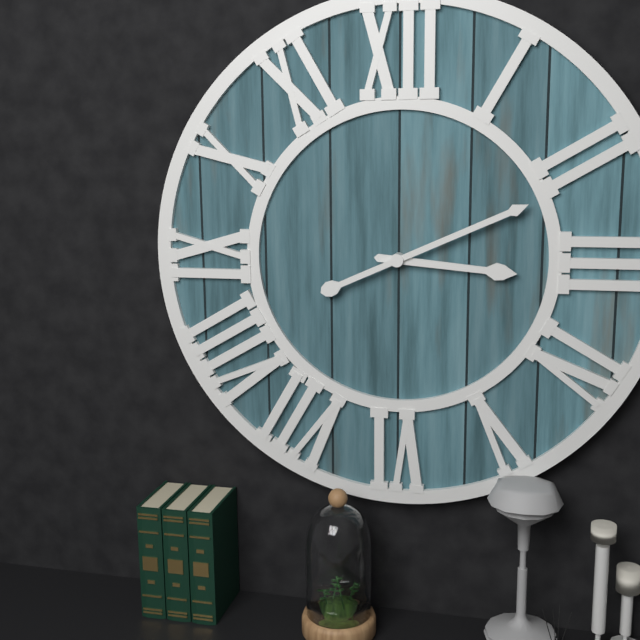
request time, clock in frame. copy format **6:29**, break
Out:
**3:11**
